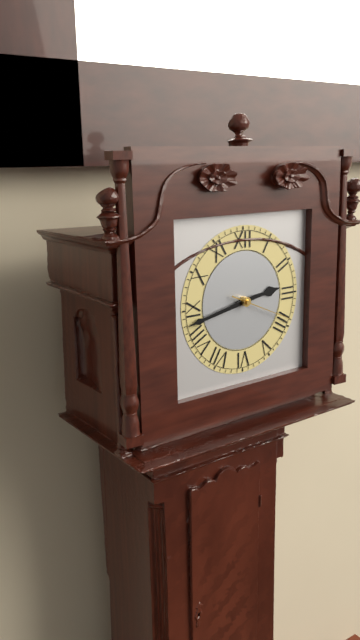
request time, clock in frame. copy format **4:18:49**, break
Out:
**2:43:19**
